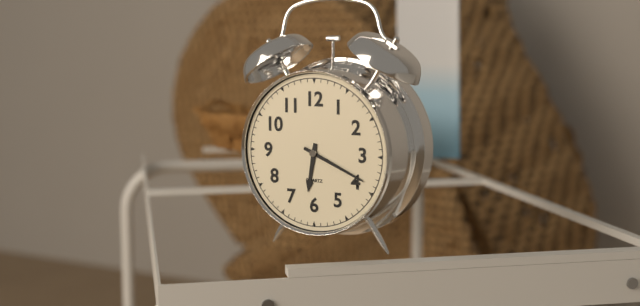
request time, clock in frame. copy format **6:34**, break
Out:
**6:19**
